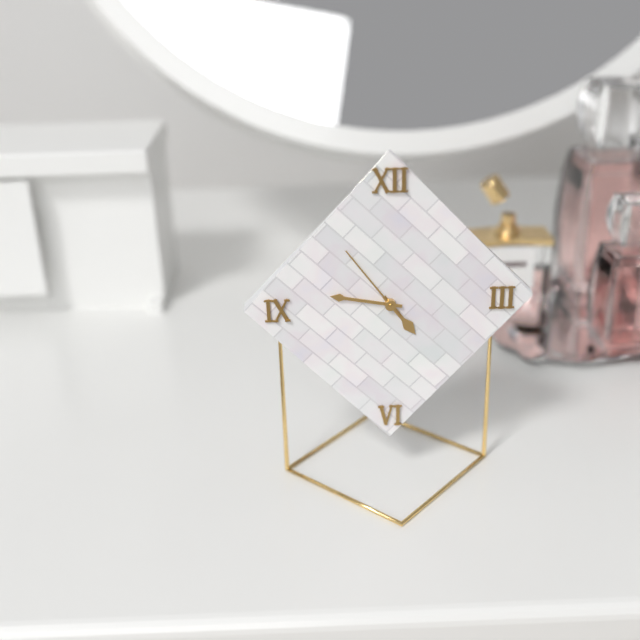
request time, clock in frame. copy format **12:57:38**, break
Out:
**4:47:54**
